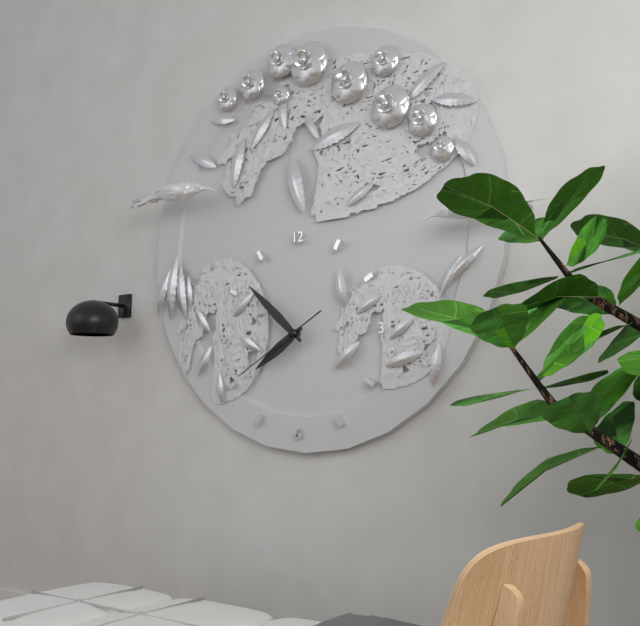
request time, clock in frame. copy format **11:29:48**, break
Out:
**7:52:40**
